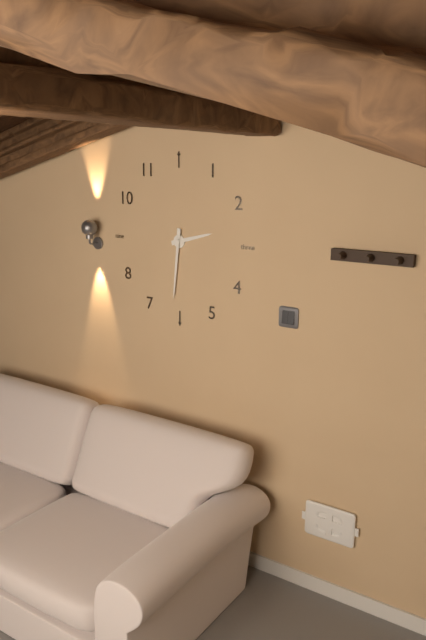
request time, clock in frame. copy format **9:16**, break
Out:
**2:31**
